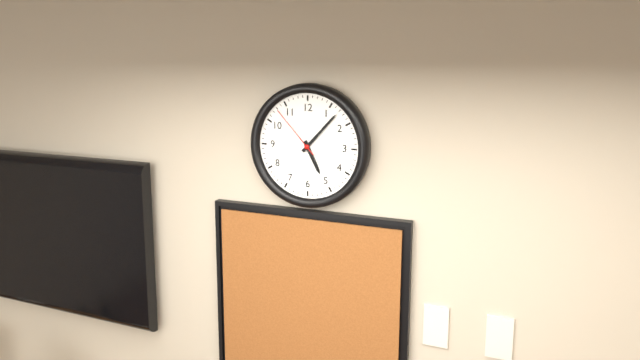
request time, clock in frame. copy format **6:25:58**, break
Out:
**5:07:53**
